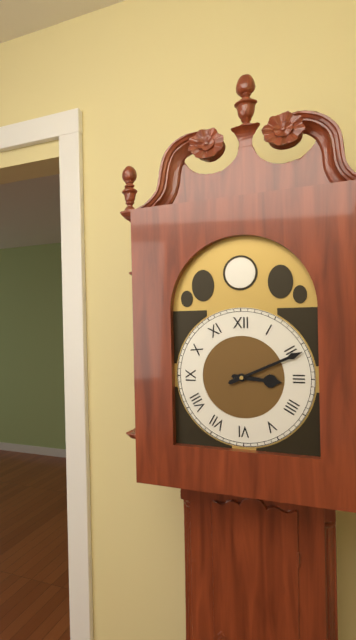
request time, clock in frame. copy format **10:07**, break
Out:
**3:11**
